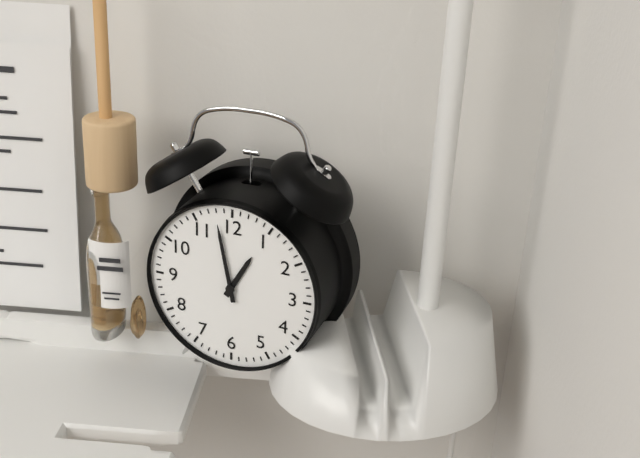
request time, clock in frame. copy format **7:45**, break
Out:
**12:58**
